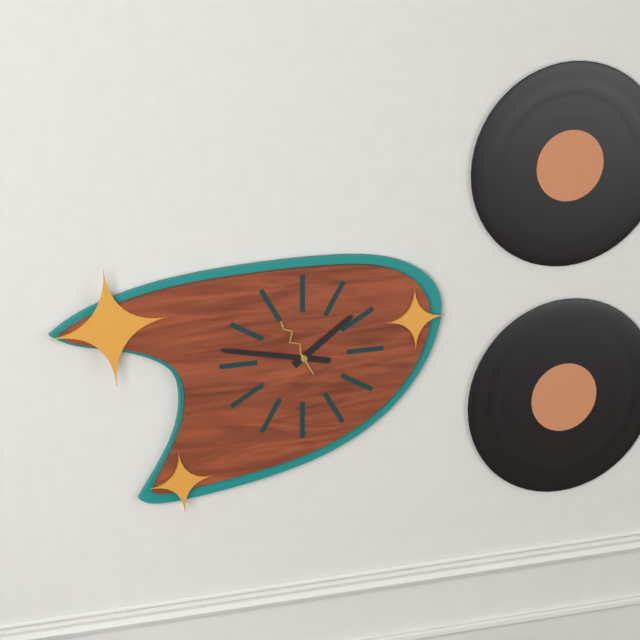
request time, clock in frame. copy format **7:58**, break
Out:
**1:47**
